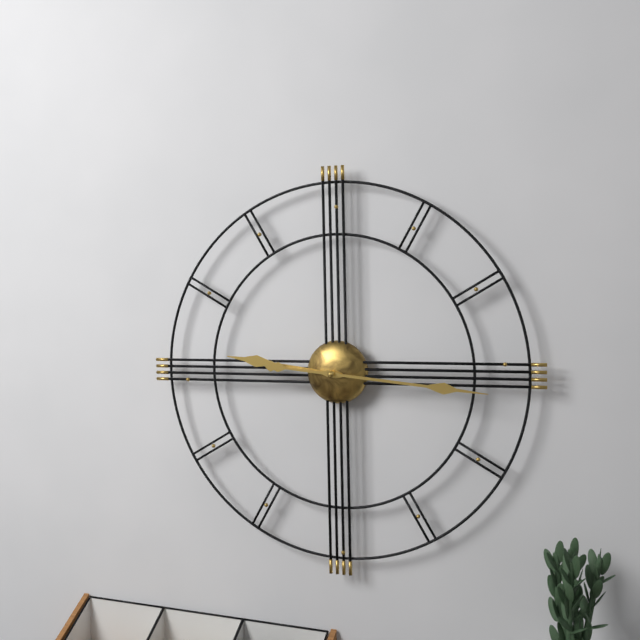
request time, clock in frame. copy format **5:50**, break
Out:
**9:16**
